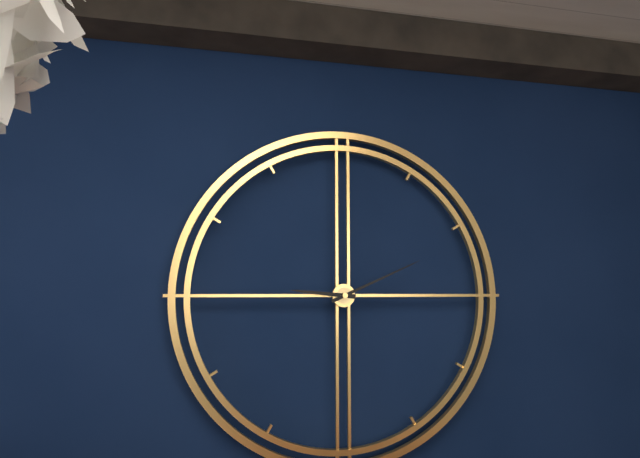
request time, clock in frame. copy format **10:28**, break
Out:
**9:11**
